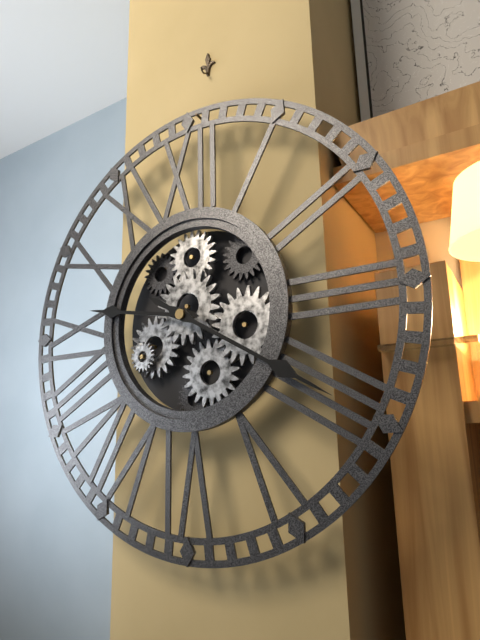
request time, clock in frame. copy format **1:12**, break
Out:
**9:20**
